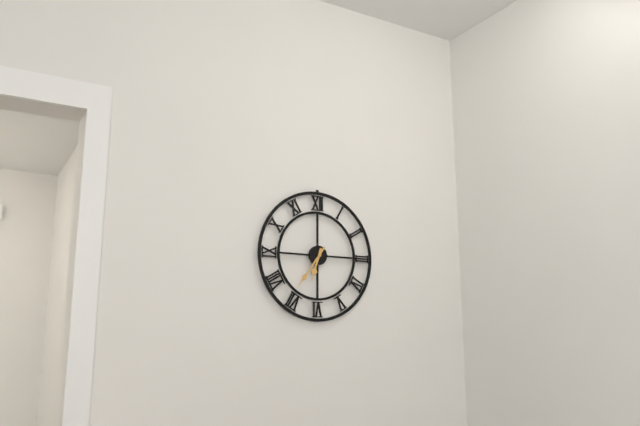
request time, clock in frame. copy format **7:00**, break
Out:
**6:36**
